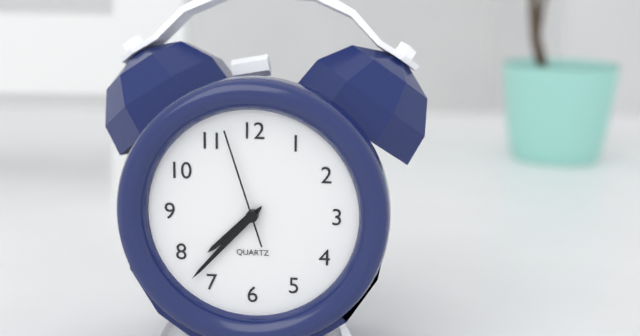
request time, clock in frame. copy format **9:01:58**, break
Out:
**7:37:57**
